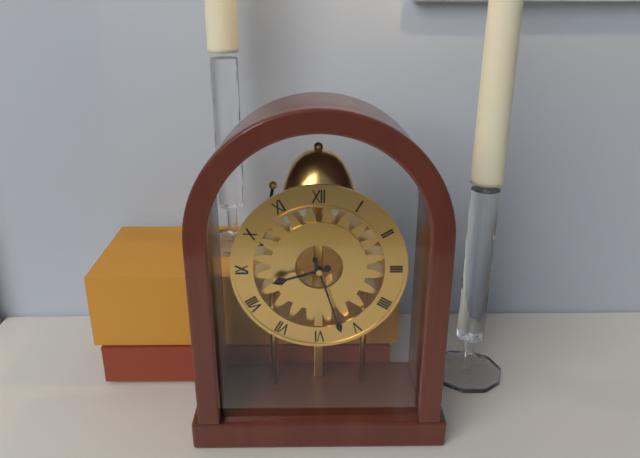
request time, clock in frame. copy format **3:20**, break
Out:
**8:27**
